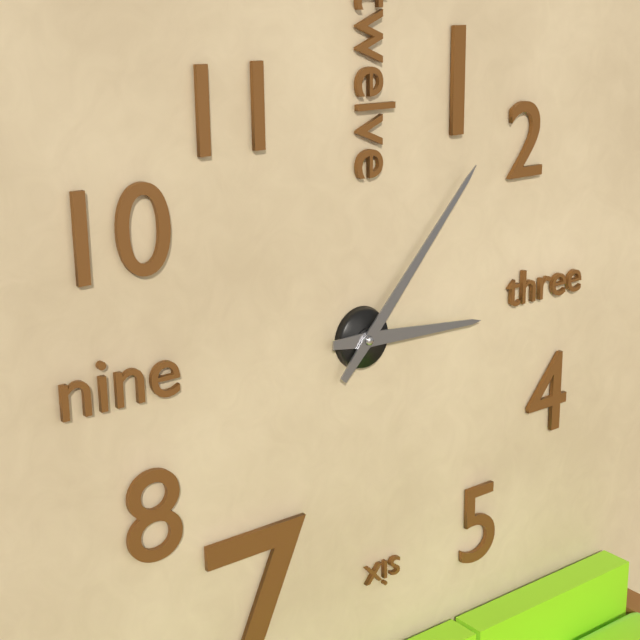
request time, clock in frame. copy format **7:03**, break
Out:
**3:07**
